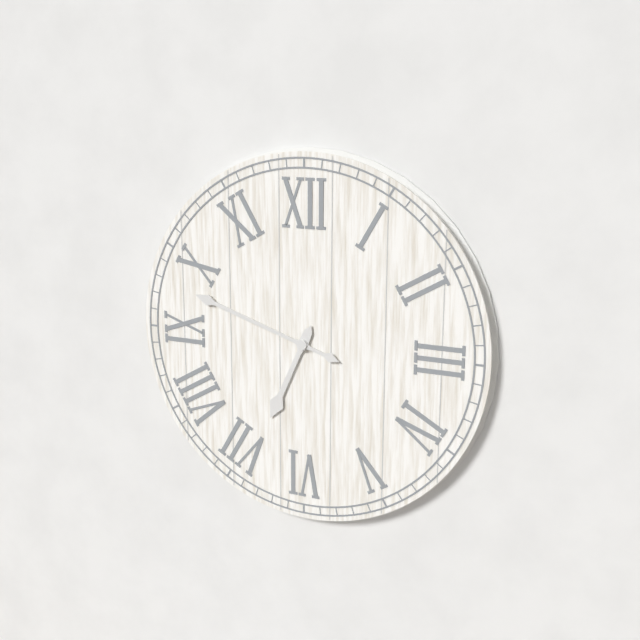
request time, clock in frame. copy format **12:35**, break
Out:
**6:48**
